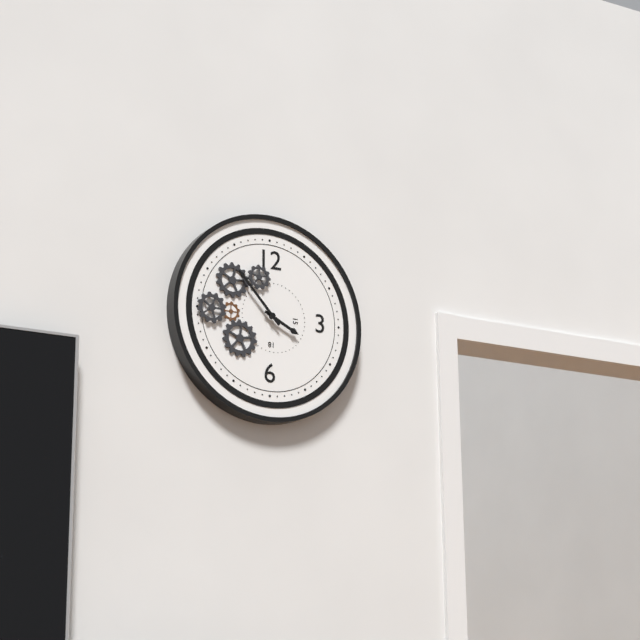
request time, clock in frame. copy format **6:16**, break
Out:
**3:53**
